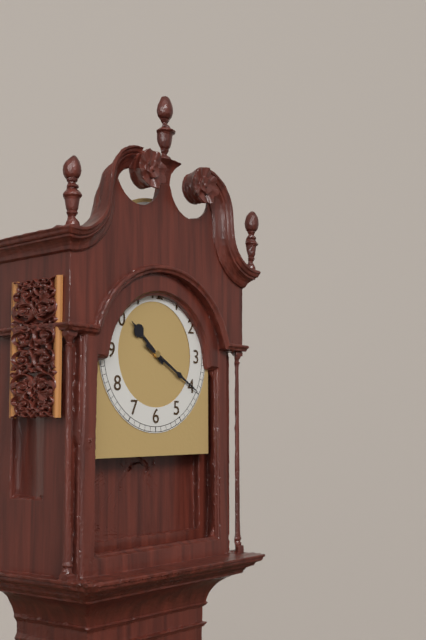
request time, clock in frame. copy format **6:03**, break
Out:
**10:20**
